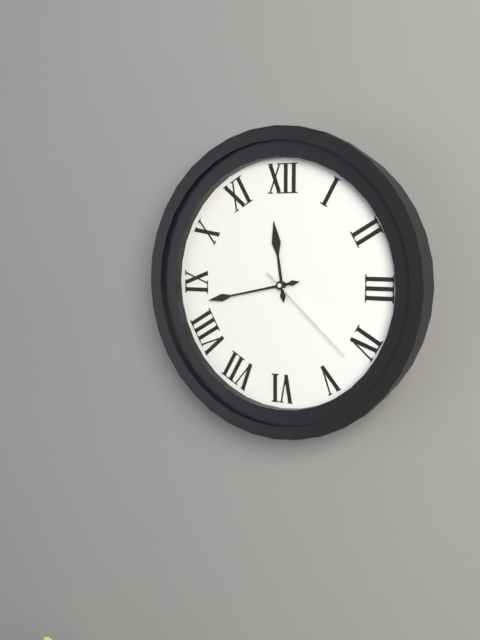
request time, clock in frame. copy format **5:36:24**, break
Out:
**11:43:22**
